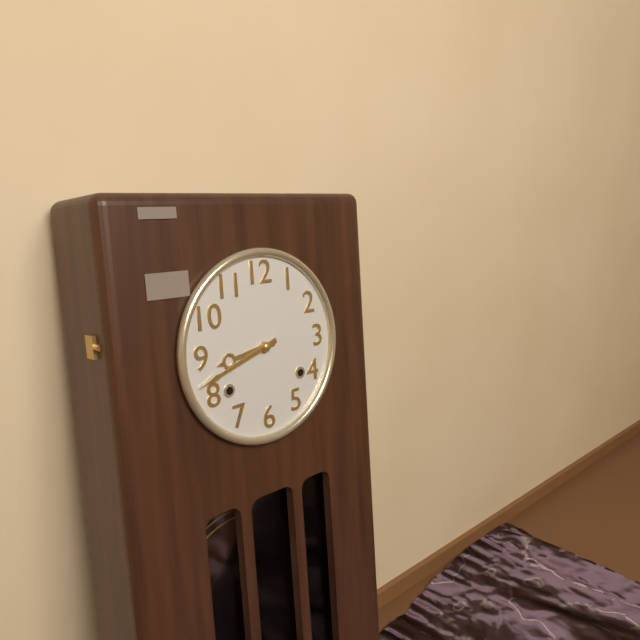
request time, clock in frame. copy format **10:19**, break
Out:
**8:42**
